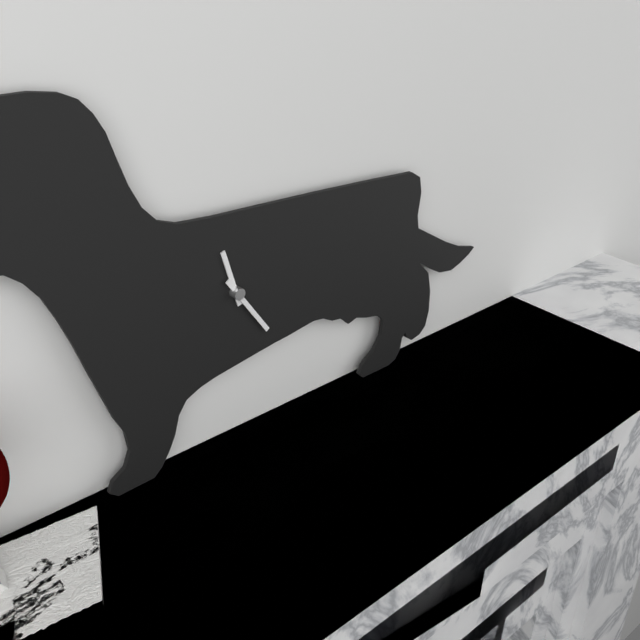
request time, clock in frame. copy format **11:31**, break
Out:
**11:24**
